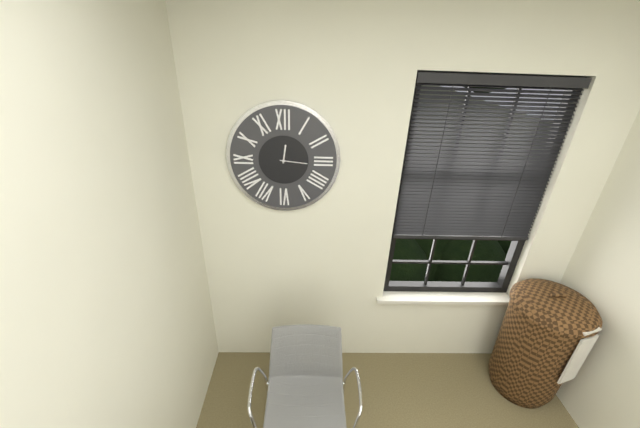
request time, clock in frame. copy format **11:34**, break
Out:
**12:16**
